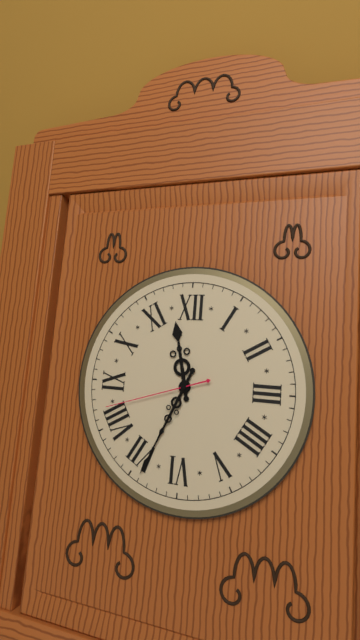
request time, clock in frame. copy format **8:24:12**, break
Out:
**11:34:42**
